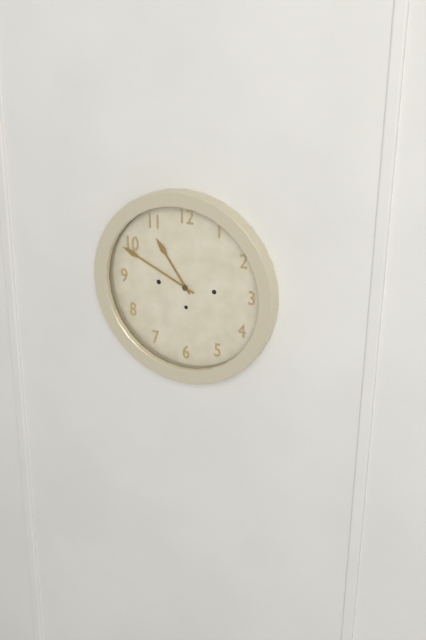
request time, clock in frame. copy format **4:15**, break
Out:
**10:49**
